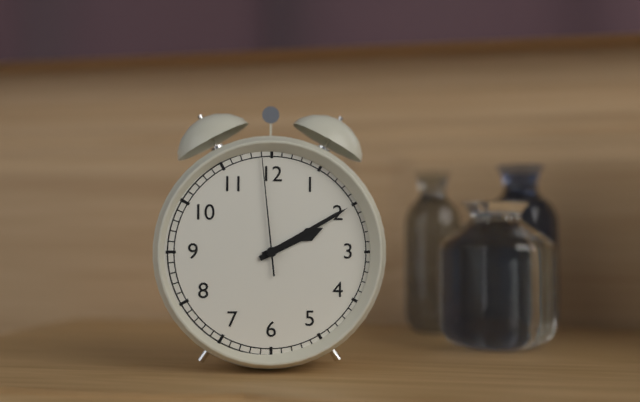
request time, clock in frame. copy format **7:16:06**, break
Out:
**2:10:59**
